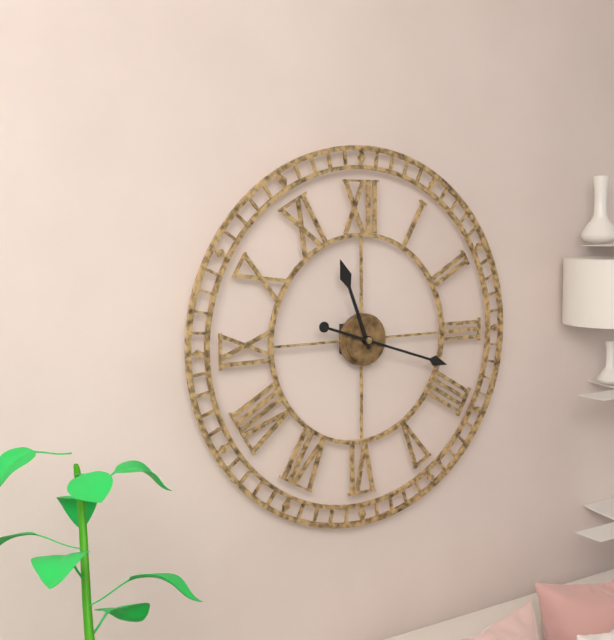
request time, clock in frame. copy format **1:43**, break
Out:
**11:18**
